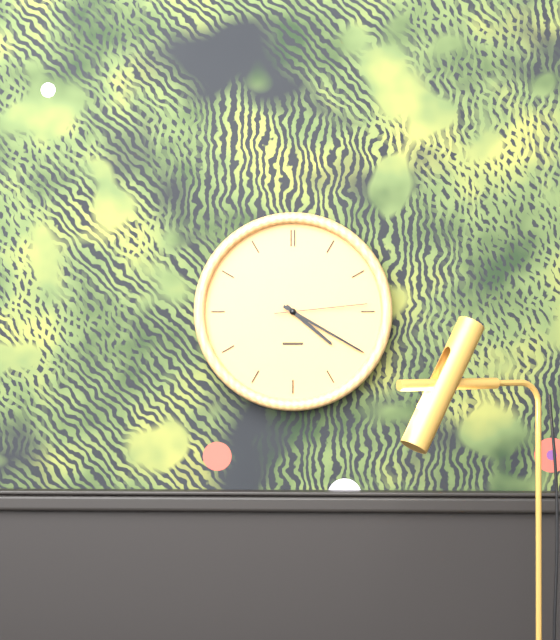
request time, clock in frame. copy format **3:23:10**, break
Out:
**4:20:14**
